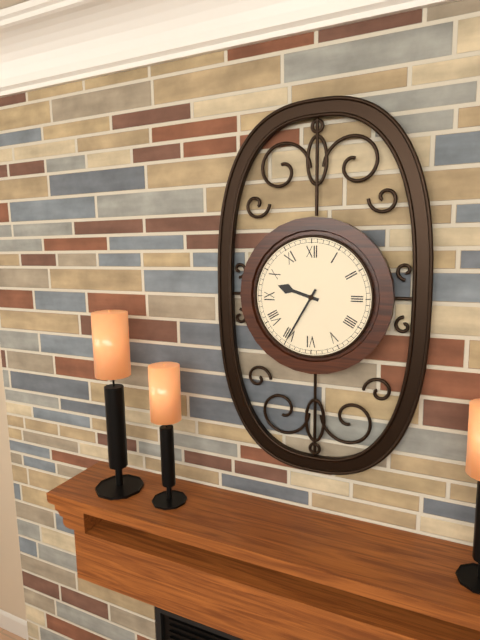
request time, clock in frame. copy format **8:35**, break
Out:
**9:35**
